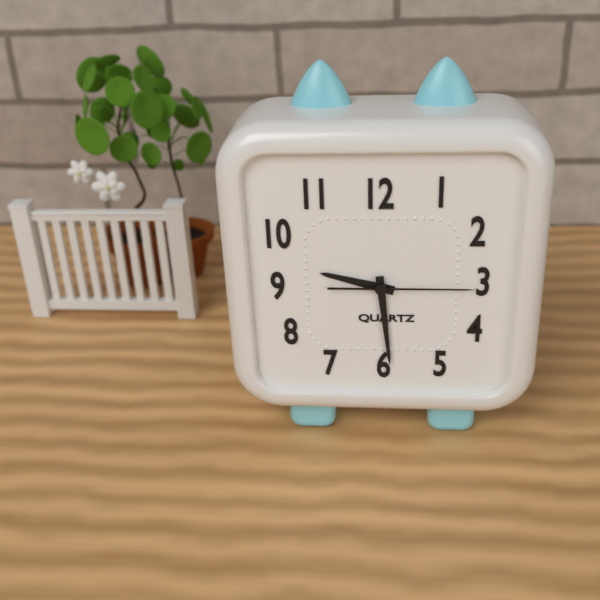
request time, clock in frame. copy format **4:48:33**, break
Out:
**9:29:15**
